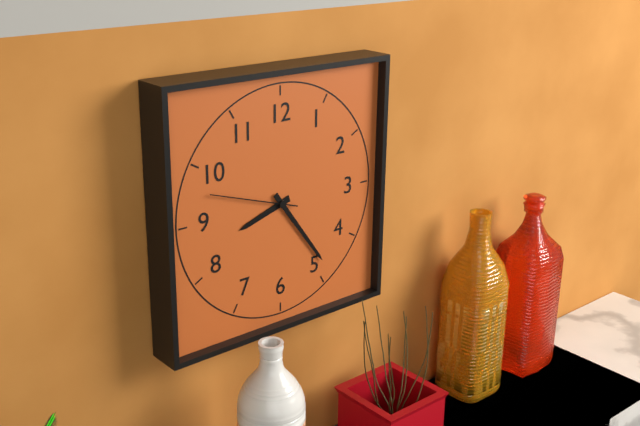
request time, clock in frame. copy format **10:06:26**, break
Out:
**8:24:48**
